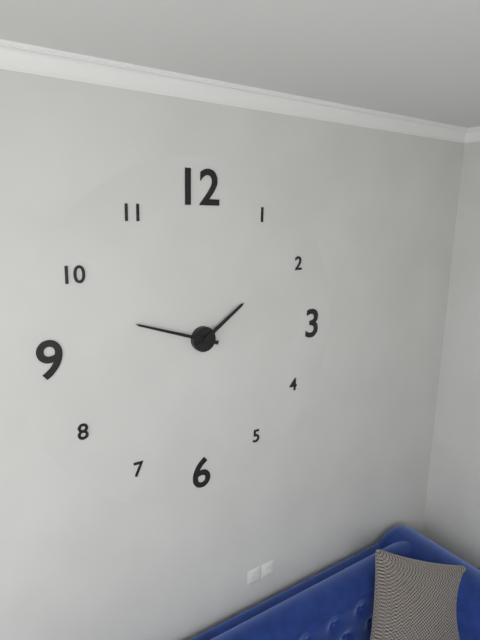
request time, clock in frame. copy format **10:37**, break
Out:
**1:48**
